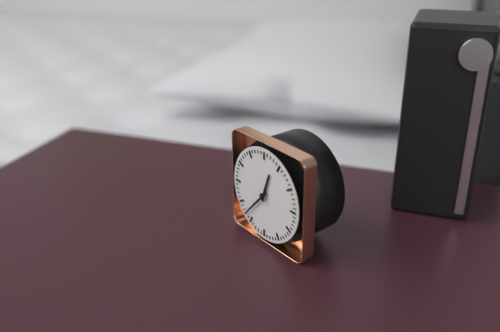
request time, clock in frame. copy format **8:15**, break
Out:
**12:37**
